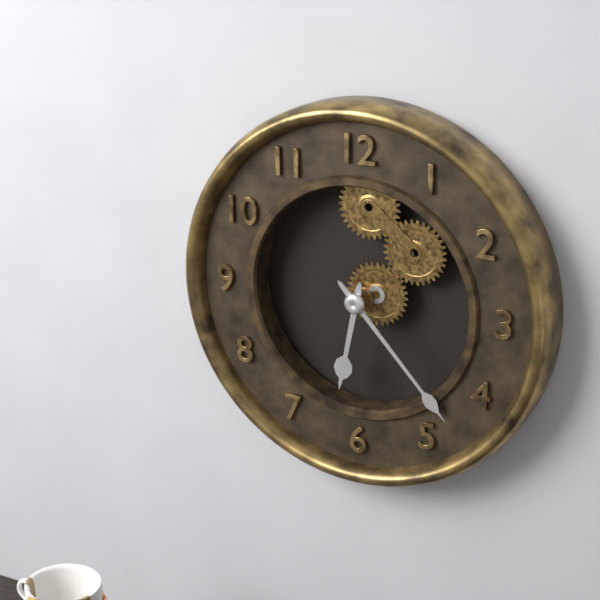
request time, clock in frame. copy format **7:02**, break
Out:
**6:23**
